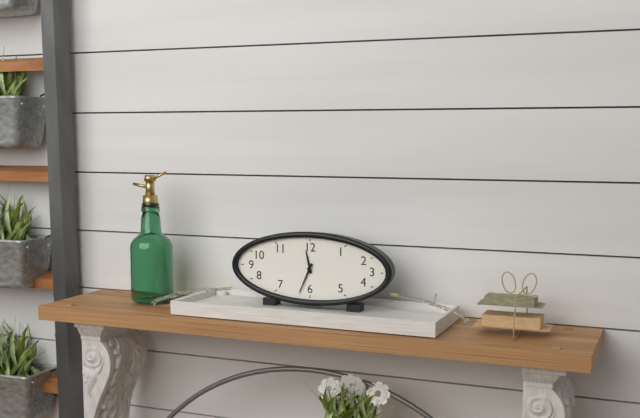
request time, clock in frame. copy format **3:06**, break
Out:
**11:34**
